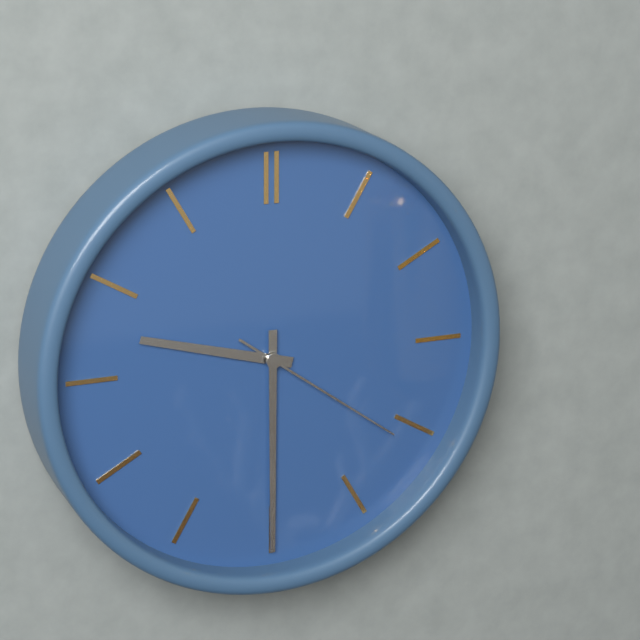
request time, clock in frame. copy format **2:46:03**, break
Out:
**9:30:21**
